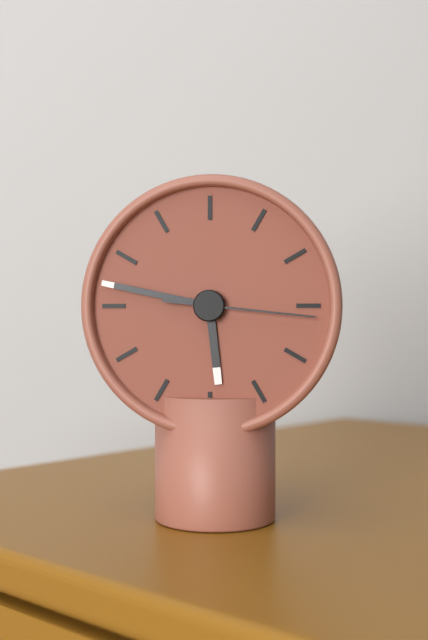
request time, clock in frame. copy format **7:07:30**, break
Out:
**5:47:16**
